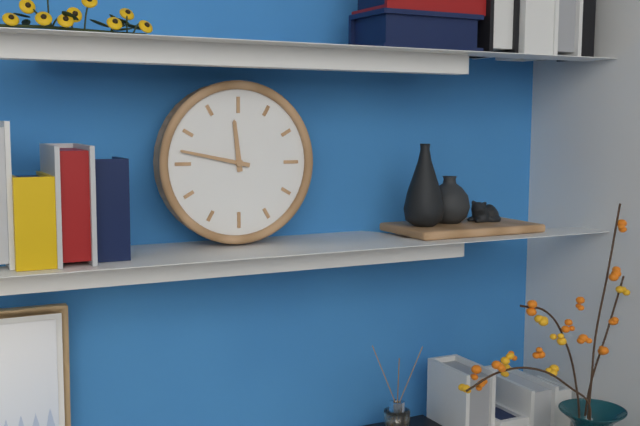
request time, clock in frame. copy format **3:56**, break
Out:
**11:47**
